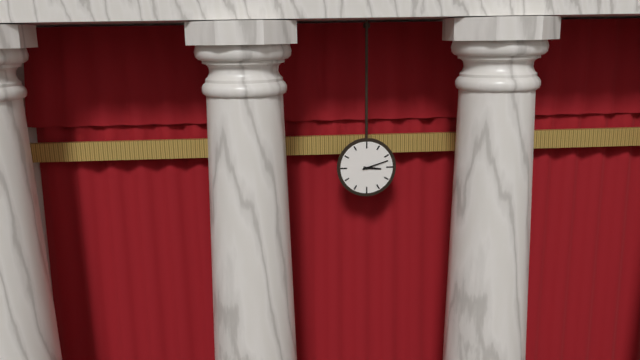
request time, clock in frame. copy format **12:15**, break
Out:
**3:12**
